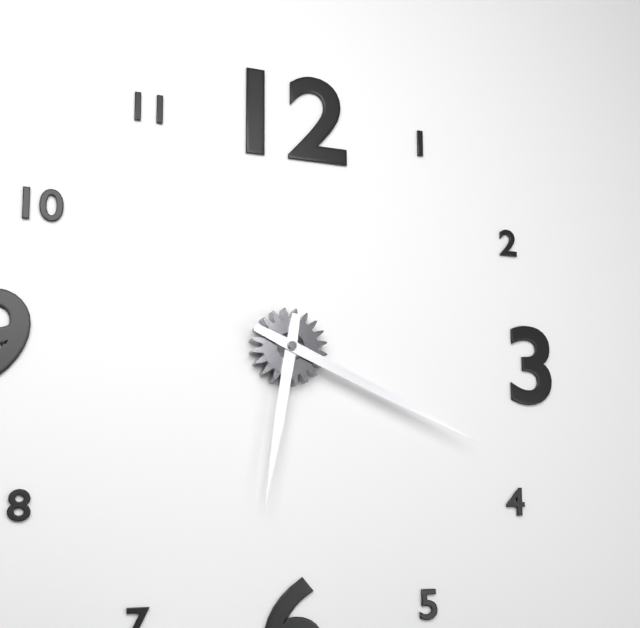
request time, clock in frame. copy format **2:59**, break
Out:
**6:19**
